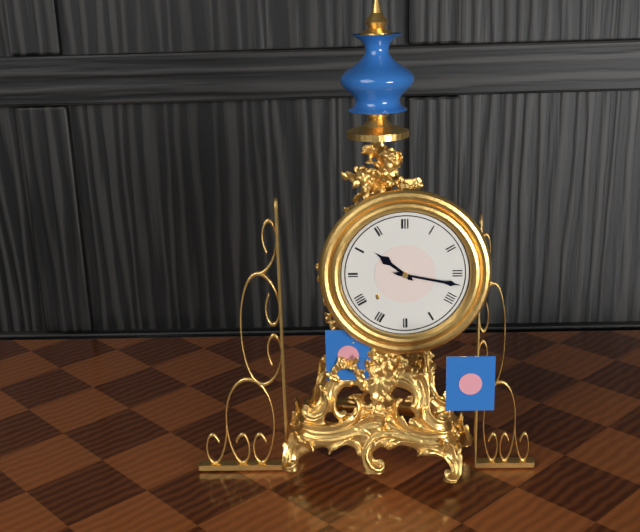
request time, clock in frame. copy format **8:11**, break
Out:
**10:17**
